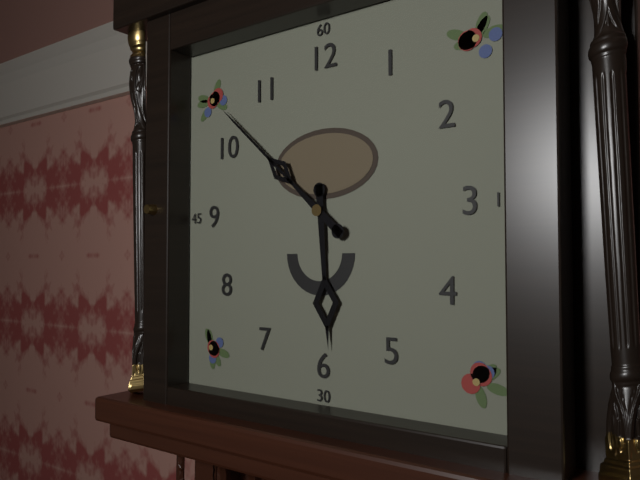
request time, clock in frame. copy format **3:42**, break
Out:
**5:52**
